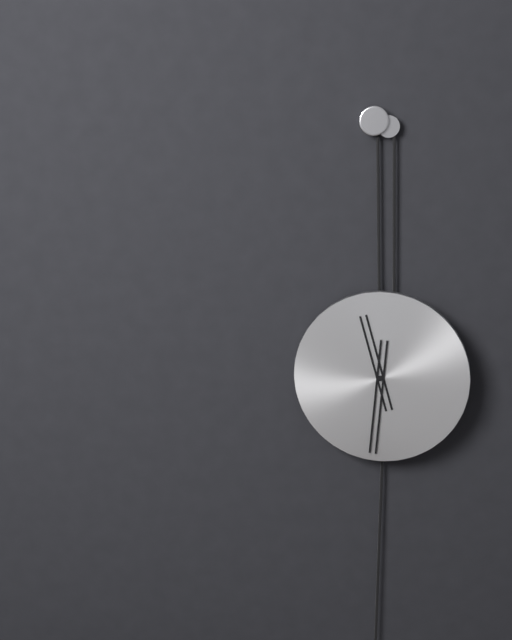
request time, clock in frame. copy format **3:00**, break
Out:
**11:31**
